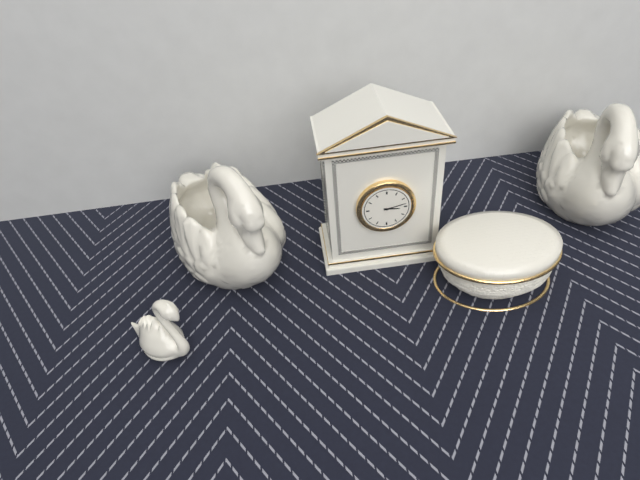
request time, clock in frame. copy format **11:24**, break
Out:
**3:13**
